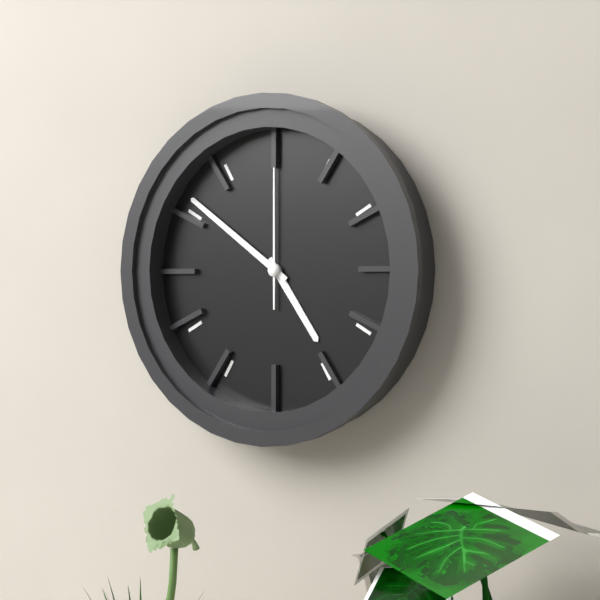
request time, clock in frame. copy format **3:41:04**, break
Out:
**4:51:00**
